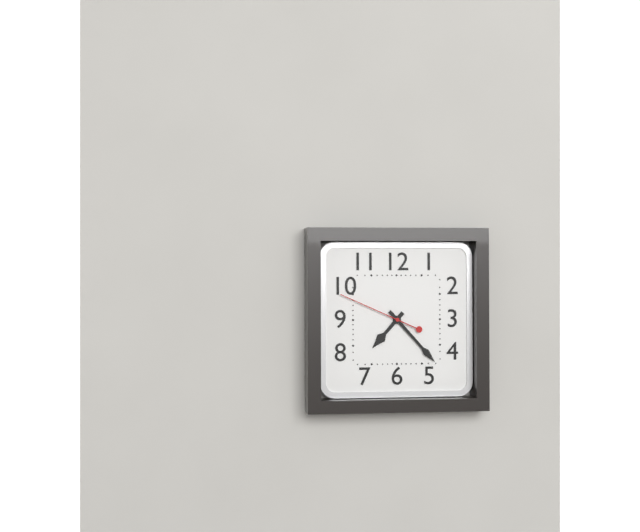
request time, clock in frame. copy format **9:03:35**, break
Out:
**7:23:49**
